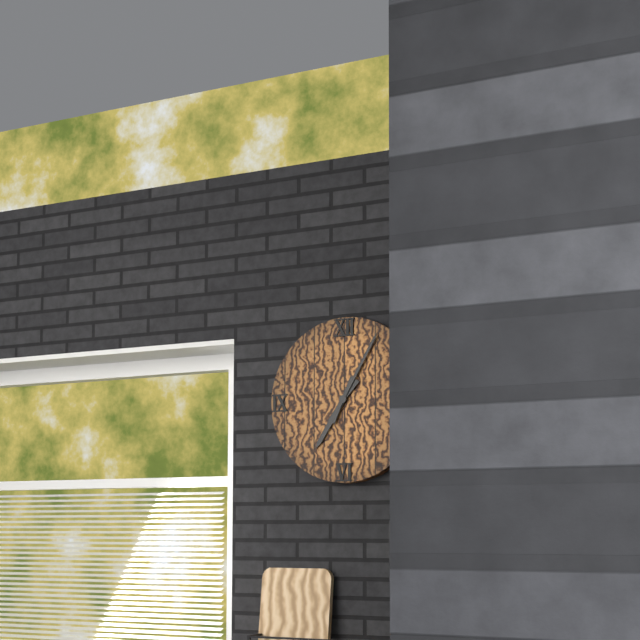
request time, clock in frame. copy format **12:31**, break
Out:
**7:05**
